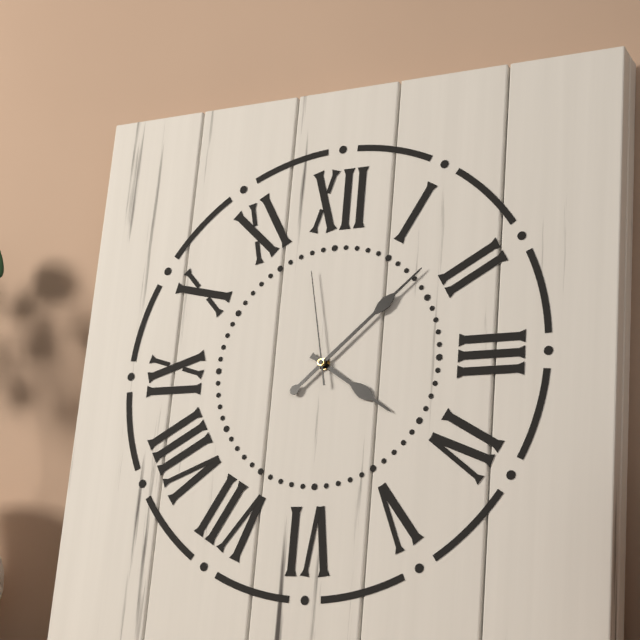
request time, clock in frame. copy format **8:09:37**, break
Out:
**4:08:58**
